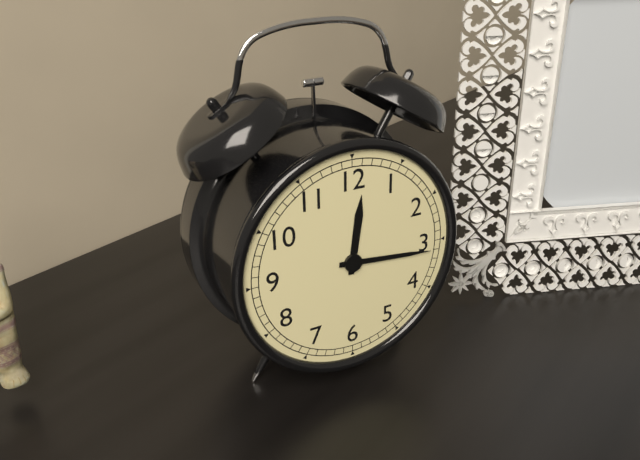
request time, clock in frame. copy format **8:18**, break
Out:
**12:16**
